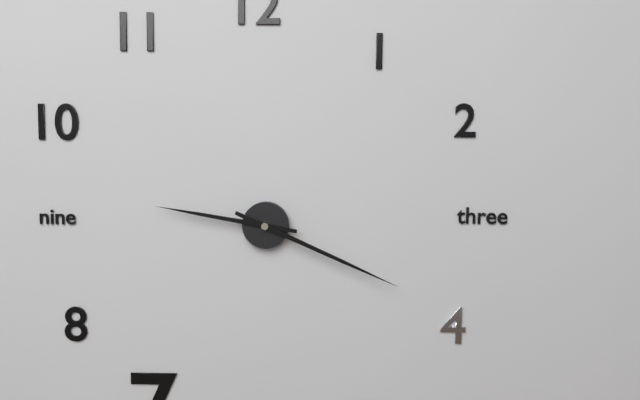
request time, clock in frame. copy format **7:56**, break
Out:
**9:19**
